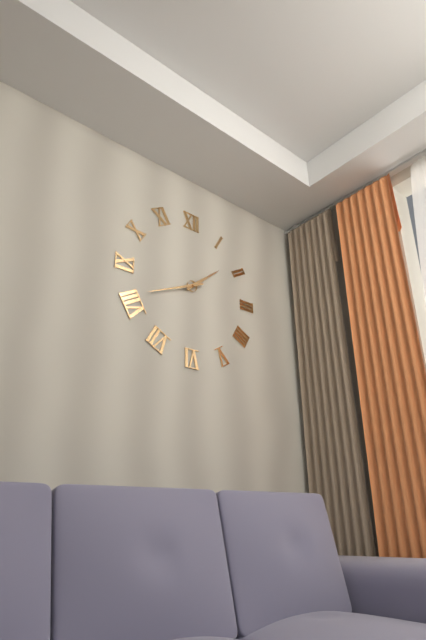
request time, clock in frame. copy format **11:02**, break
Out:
**1:41**
